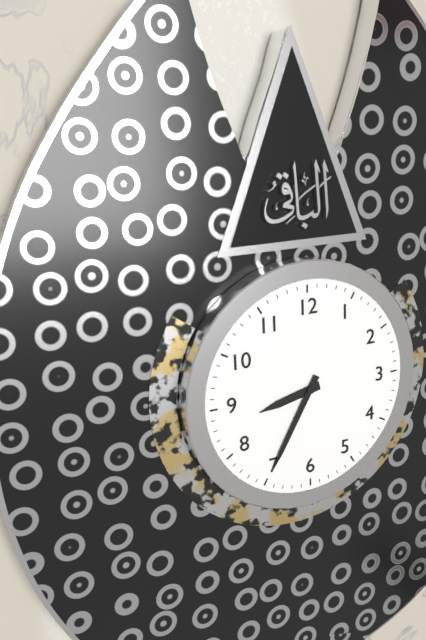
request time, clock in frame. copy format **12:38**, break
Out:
**8:35**
